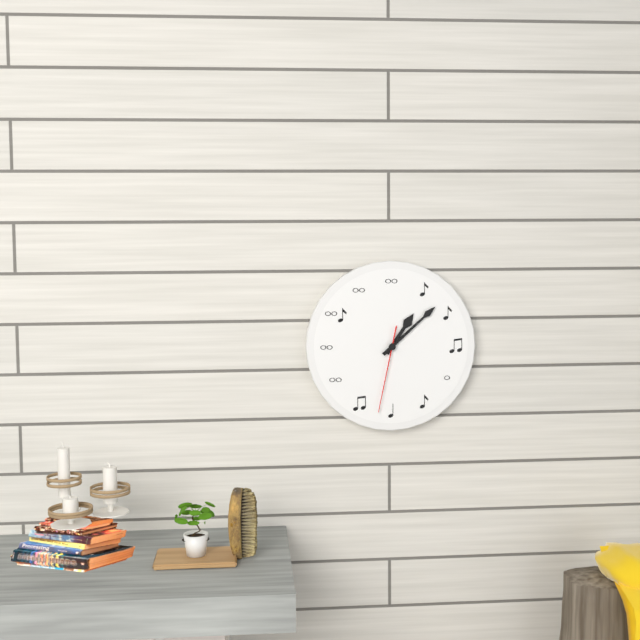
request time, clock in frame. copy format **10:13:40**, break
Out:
**1:08:32**
